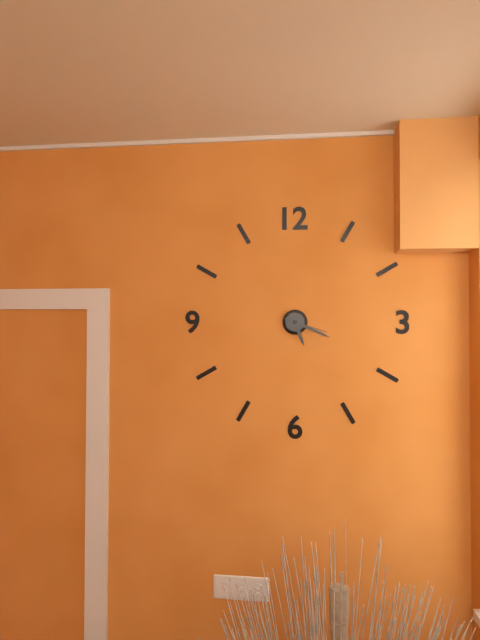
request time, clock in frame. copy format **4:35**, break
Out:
**5:19**
